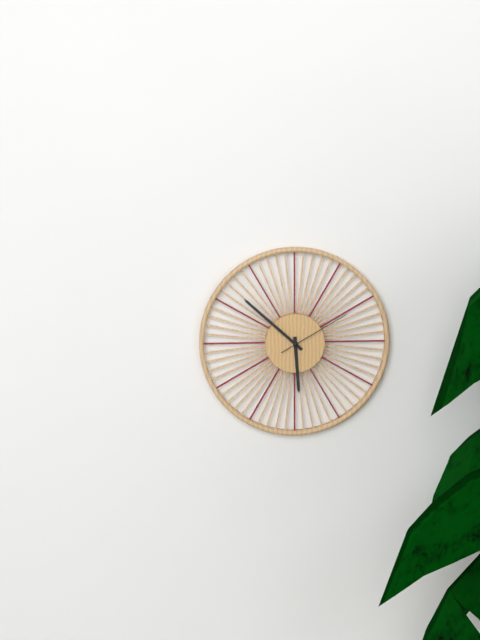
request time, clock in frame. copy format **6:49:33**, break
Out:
**5:52:10**
